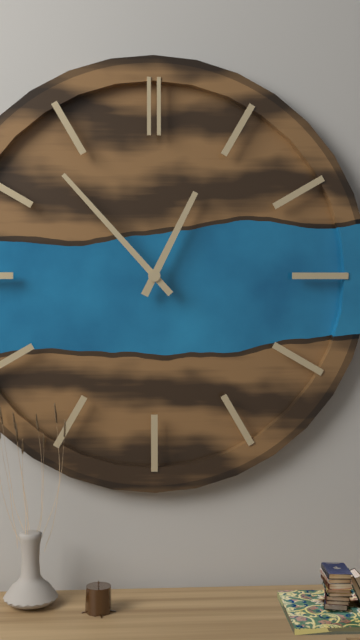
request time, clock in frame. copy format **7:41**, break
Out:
**12:53**
